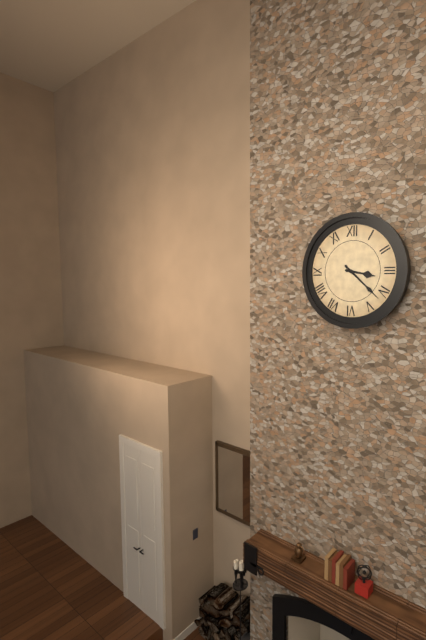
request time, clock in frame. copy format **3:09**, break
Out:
**3:22**
